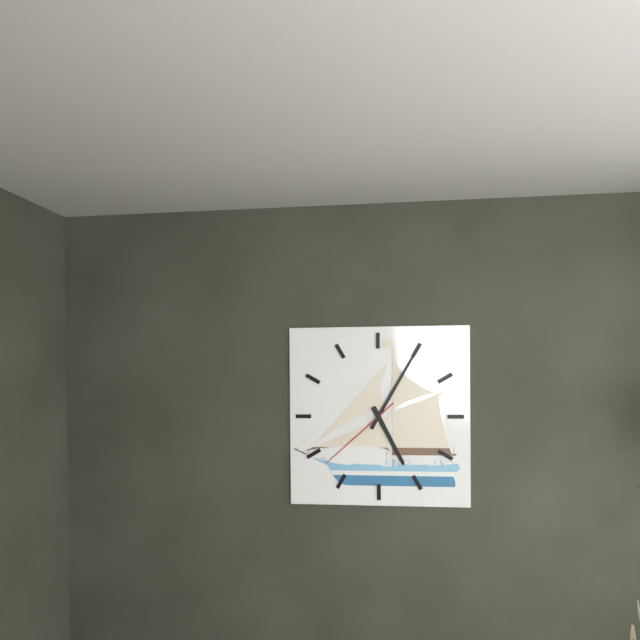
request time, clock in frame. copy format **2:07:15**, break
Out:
**5:05:38**
